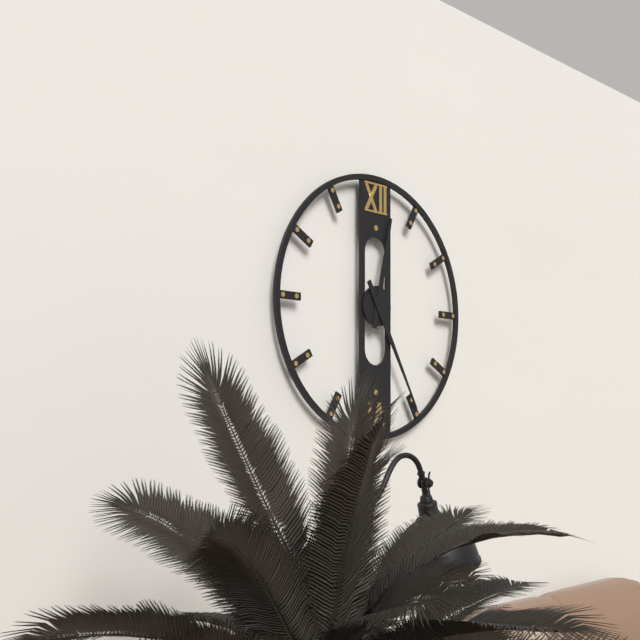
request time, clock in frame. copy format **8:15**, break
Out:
**12:25**
